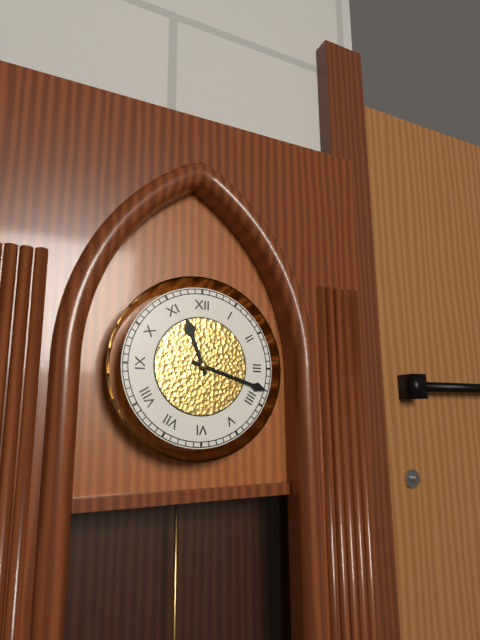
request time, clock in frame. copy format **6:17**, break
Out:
**11:18**
